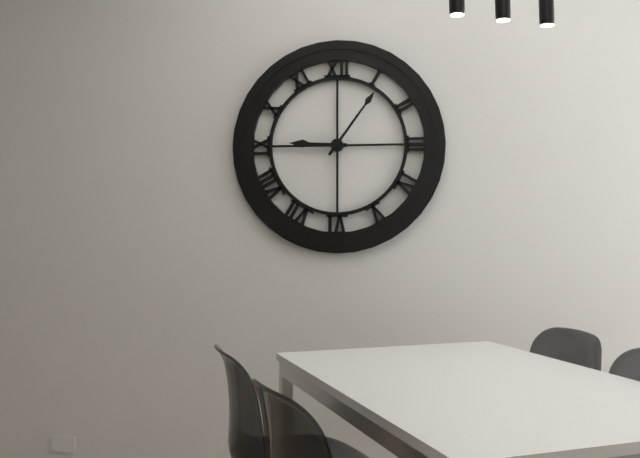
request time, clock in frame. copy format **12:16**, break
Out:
**9:06**
